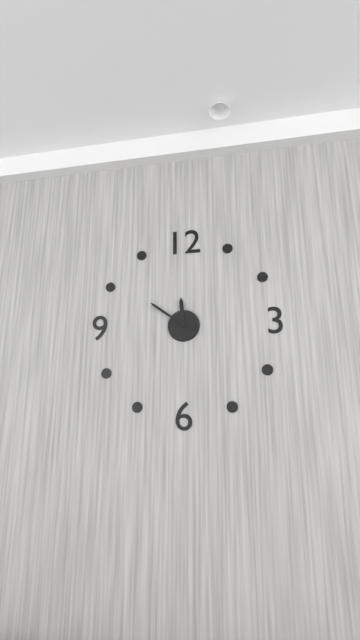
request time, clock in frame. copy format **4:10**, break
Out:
**11:51**
